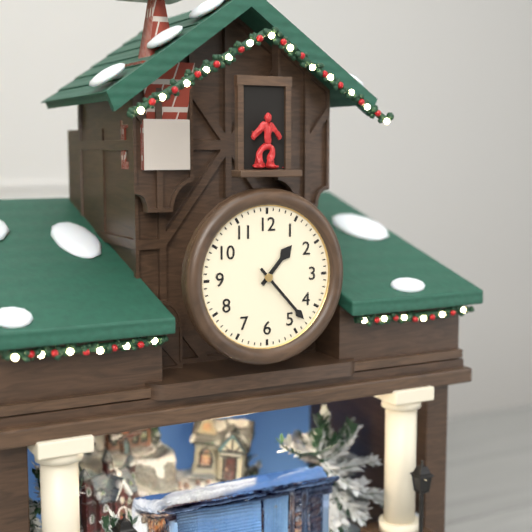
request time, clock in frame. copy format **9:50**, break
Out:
**1:23**
